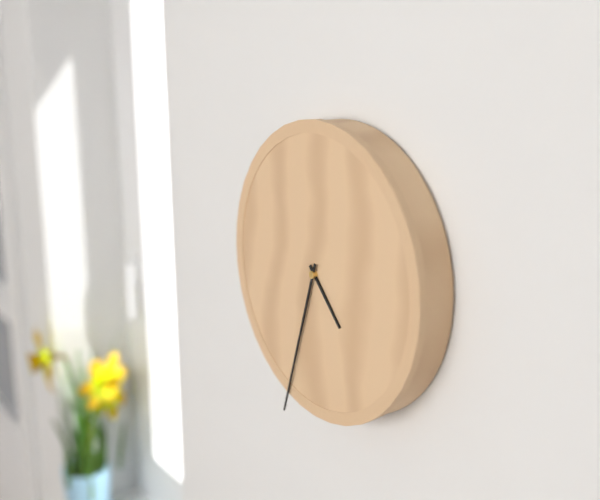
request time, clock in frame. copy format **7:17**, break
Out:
**4:33**
